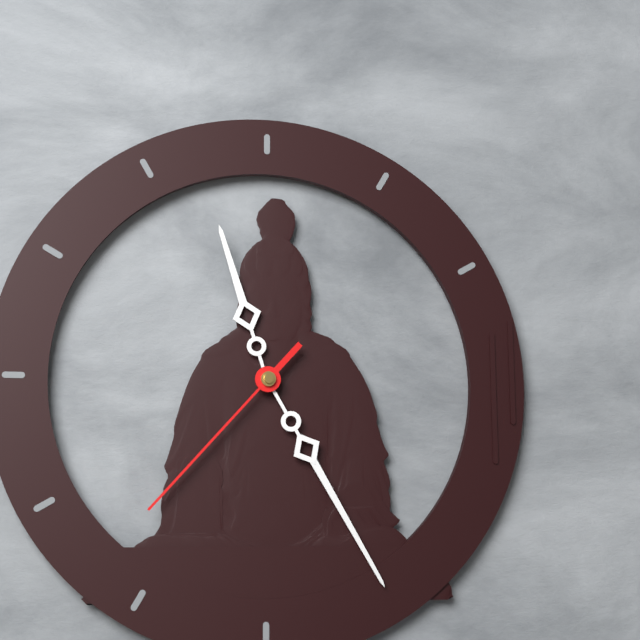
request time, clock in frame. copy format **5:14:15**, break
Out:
**11:25:37**
